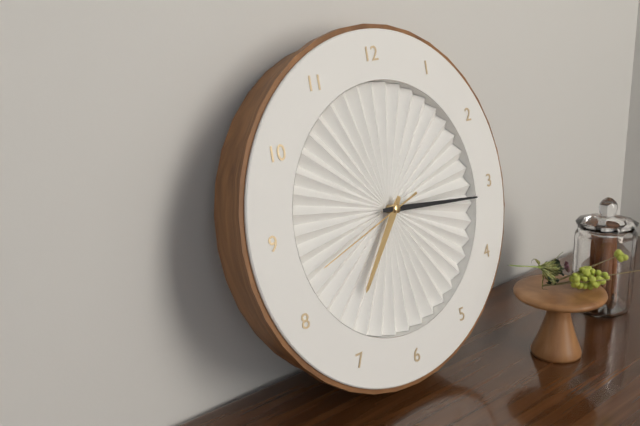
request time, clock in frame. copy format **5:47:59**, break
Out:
**7:16:42**
